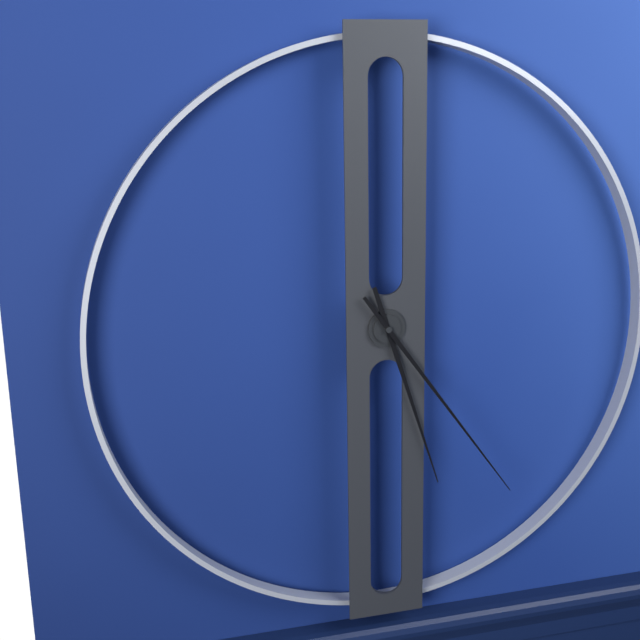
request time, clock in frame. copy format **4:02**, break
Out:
**5:24**
